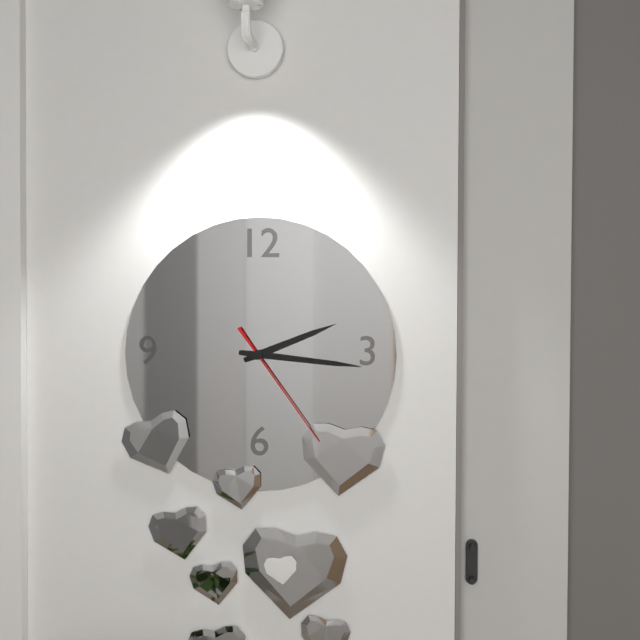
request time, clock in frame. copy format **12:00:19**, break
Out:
**2:16:24**
